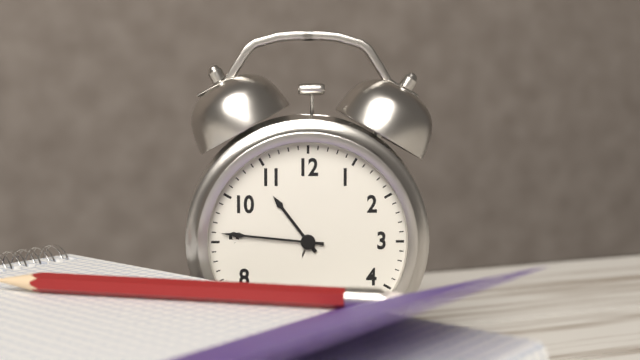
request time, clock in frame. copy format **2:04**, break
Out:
**10:46**
